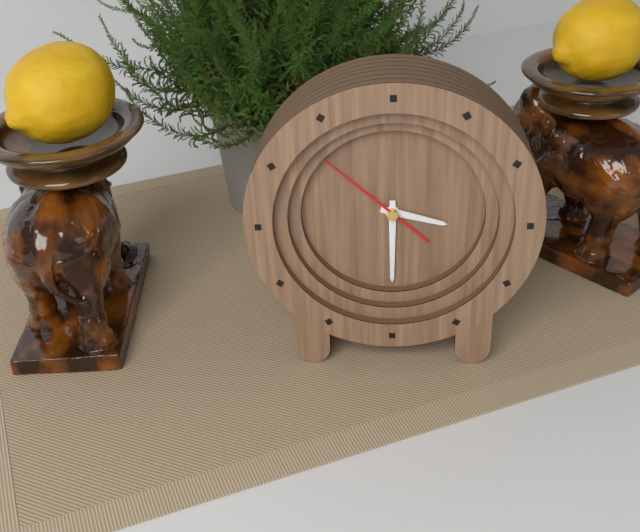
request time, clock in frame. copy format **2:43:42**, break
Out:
**3:30:52**
